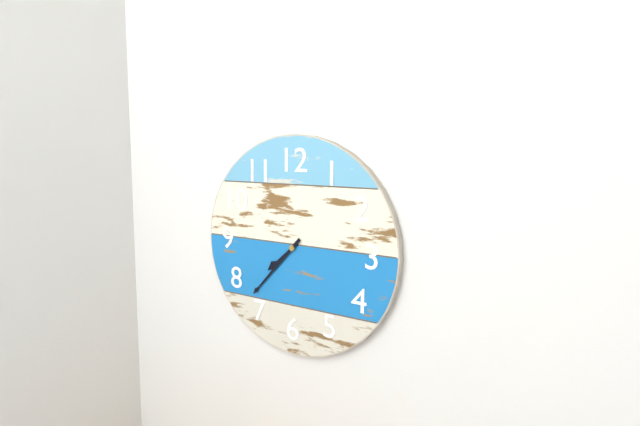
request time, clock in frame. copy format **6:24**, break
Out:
**7:37**
